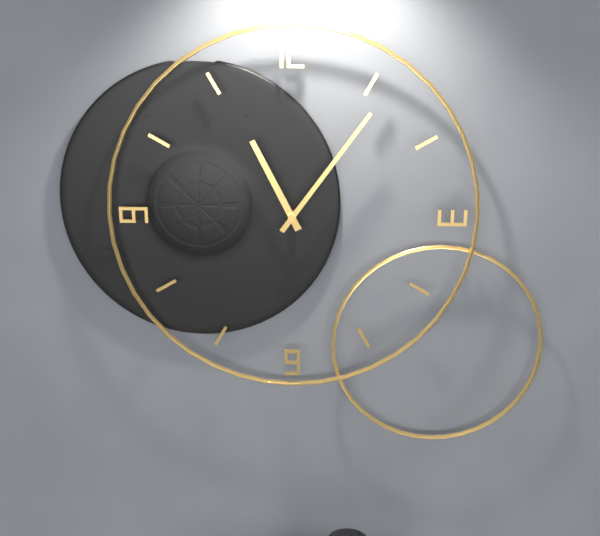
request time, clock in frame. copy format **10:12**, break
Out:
**11:06**
